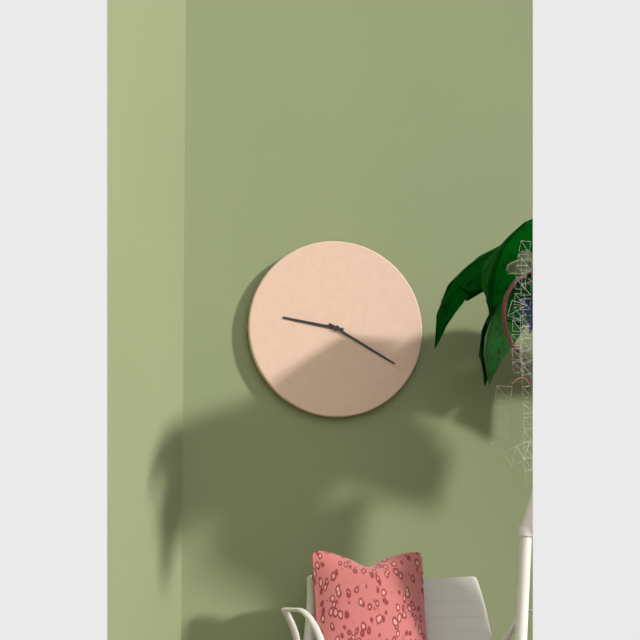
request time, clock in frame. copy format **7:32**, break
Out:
**9:20**
